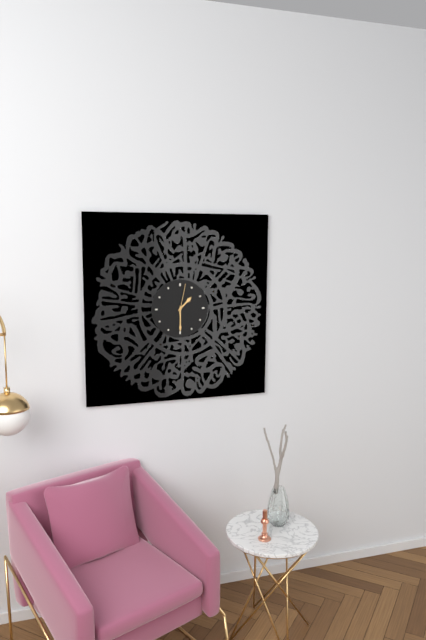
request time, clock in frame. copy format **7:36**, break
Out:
**1:30**
